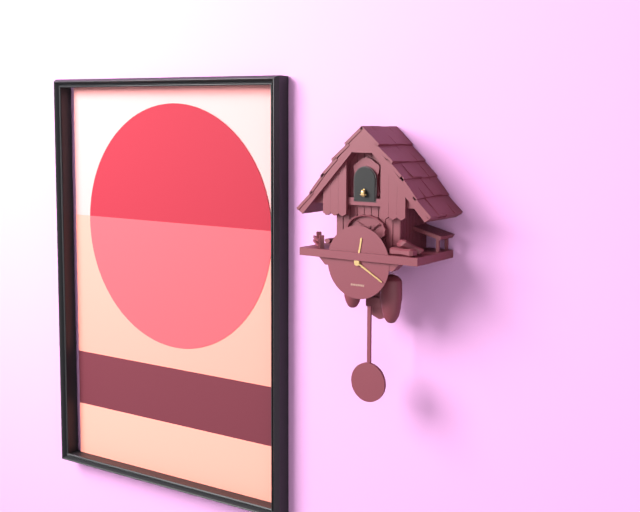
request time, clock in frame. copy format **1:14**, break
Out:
**12:20**
